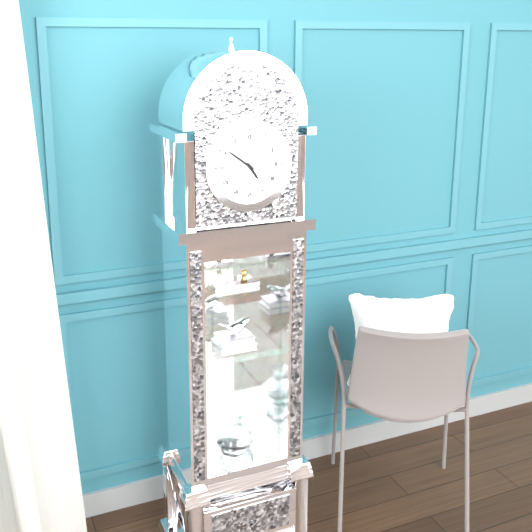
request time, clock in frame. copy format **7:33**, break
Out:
**4:51**
